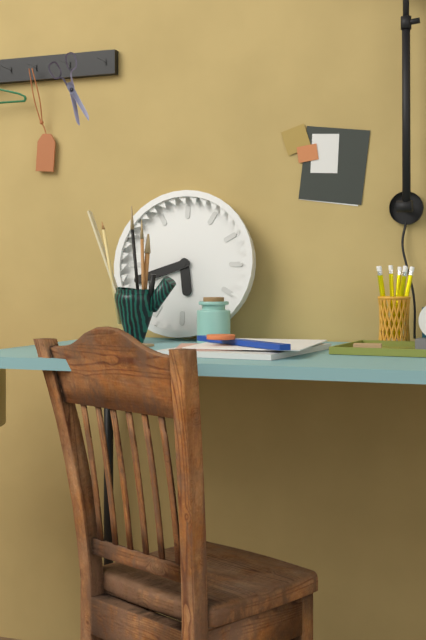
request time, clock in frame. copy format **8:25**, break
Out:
**5:42**
